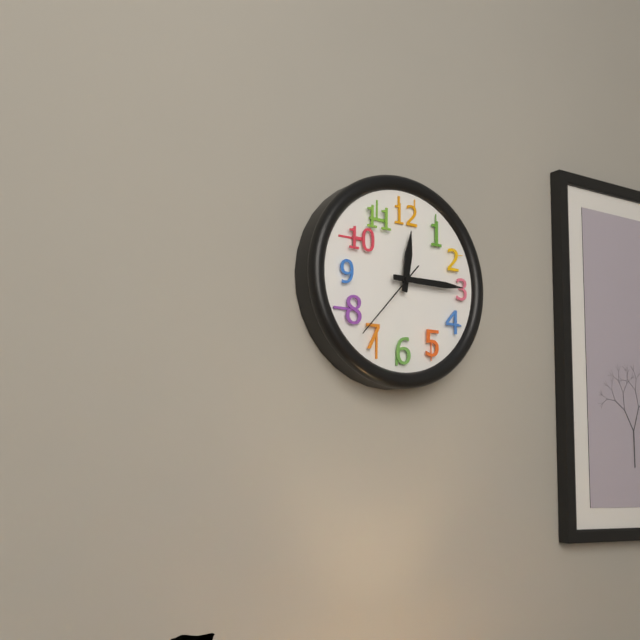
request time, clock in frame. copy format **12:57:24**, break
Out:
**12:15:37**
